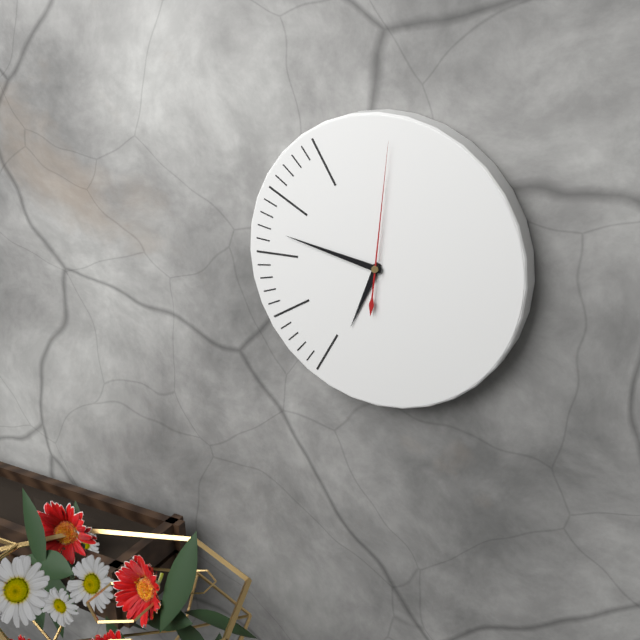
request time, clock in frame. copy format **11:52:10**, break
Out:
**6:47:01**
